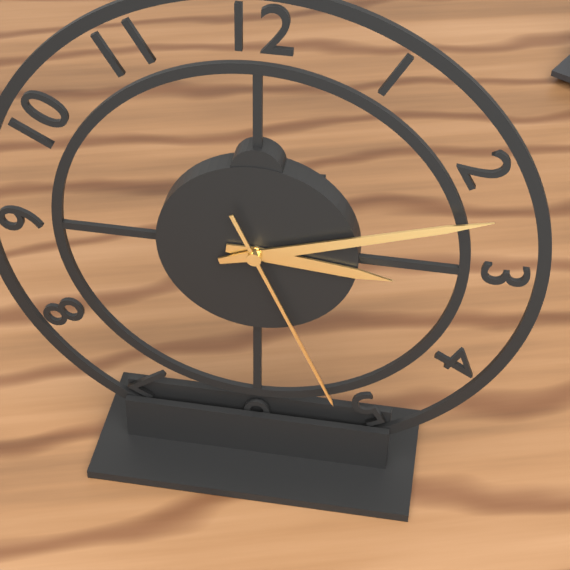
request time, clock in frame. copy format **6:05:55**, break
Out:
**3:12:26**
